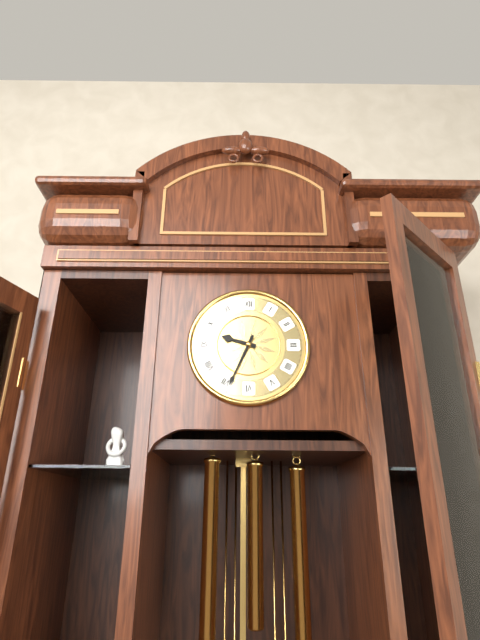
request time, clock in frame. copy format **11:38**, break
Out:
**9:34**
